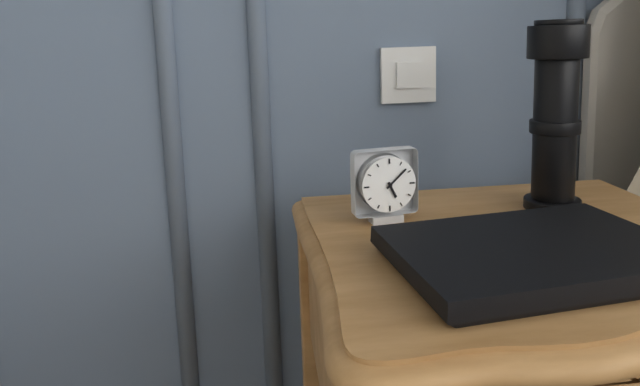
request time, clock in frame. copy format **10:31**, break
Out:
**5:08**
